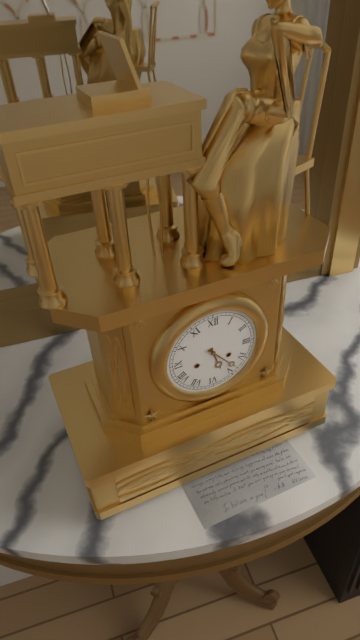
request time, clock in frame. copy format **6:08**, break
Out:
**5:23**
